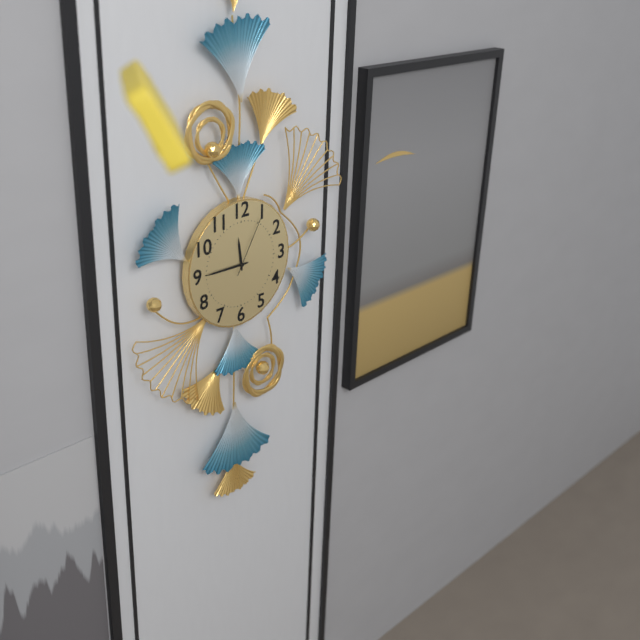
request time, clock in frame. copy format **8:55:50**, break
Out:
**11:45:05**
